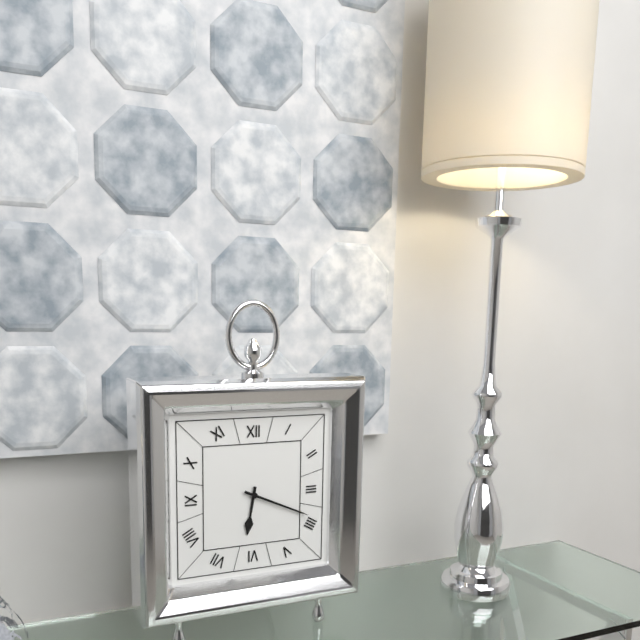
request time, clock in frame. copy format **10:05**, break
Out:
**6:19**
